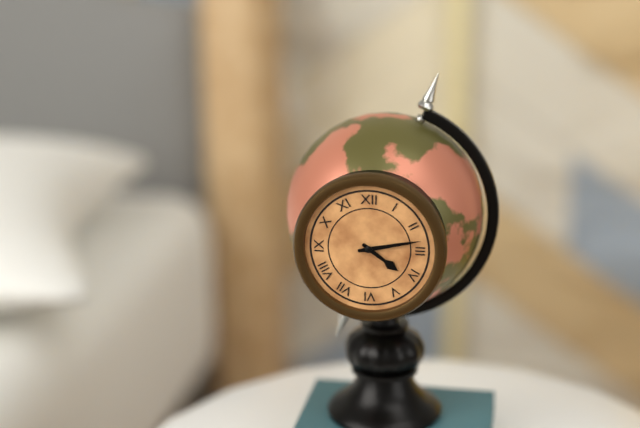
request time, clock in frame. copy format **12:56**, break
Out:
**4:13**
